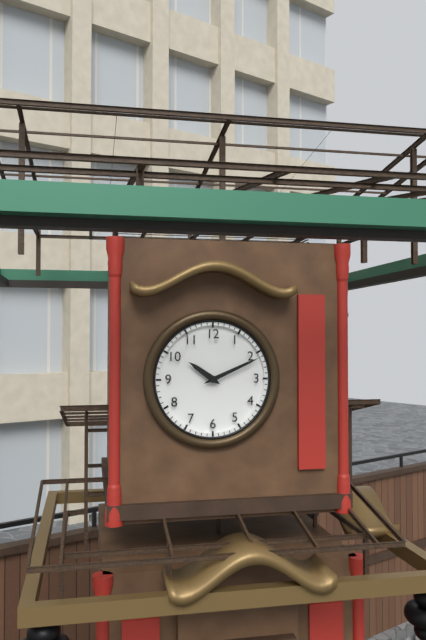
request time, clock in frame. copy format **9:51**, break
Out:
**10:11**
